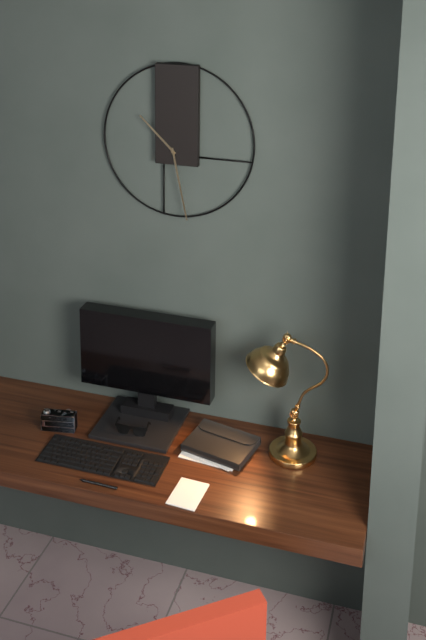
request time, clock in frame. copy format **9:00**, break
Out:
**10:28**
